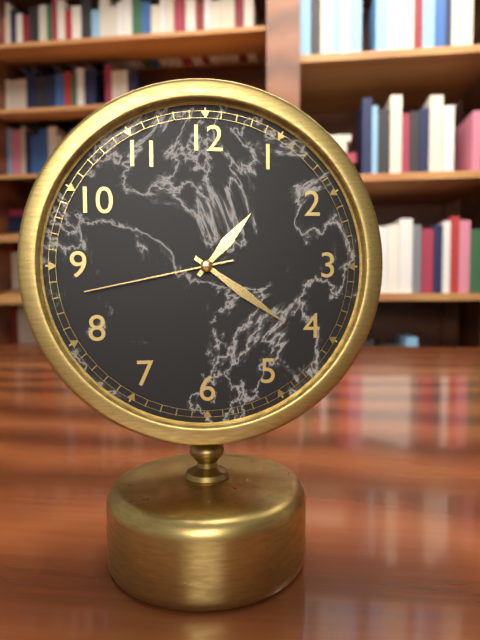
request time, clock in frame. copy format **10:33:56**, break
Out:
**1:21:43**
